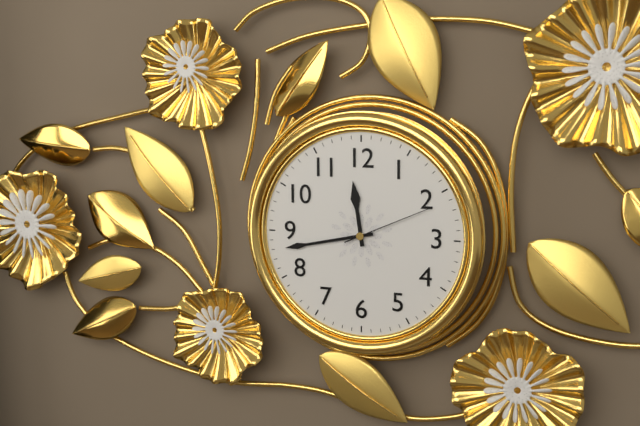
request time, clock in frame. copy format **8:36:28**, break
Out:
**11:43:11**
